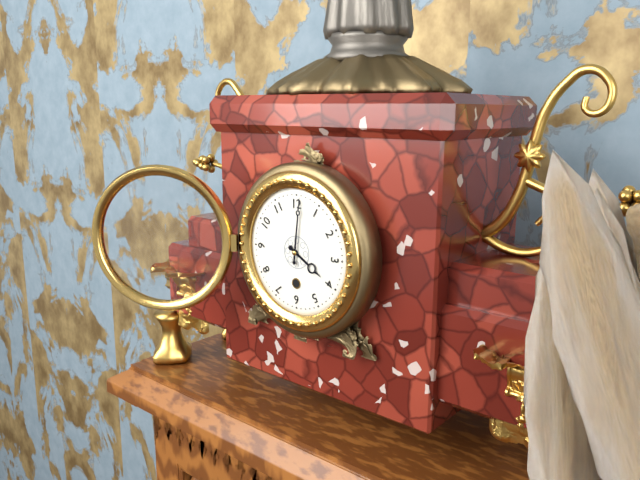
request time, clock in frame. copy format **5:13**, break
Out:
**4:01**
